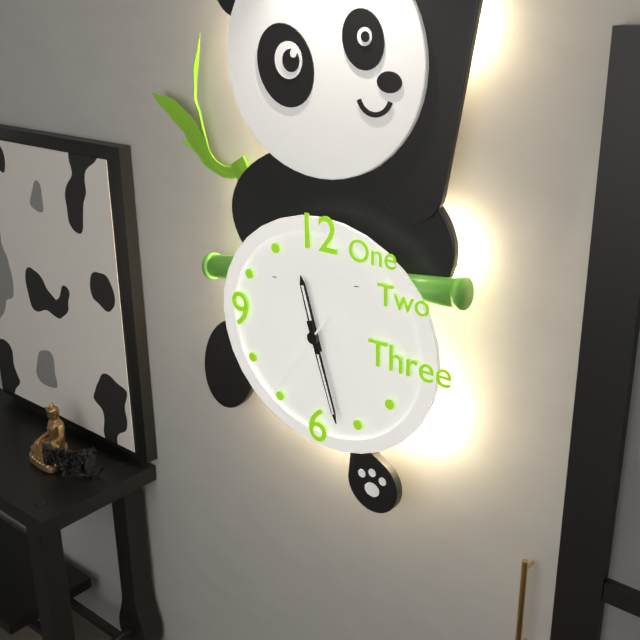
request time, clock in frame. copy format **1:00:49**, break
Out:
**11:27:36**
